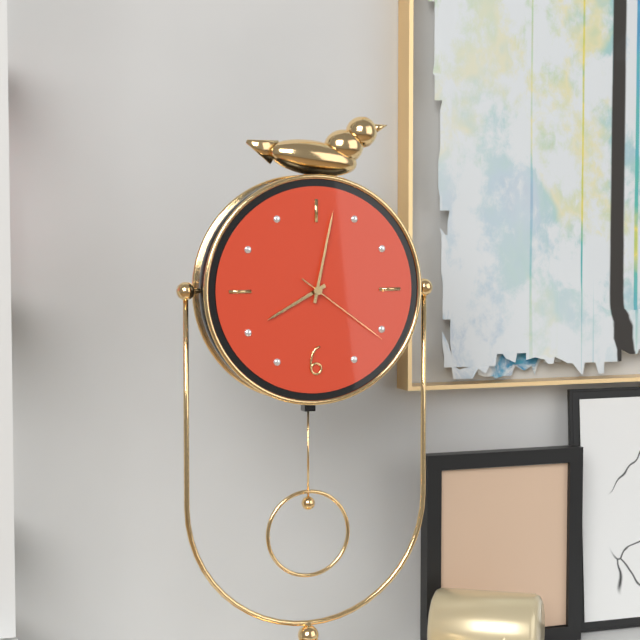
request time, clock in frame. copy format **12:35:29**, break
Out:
**8:02:21**
